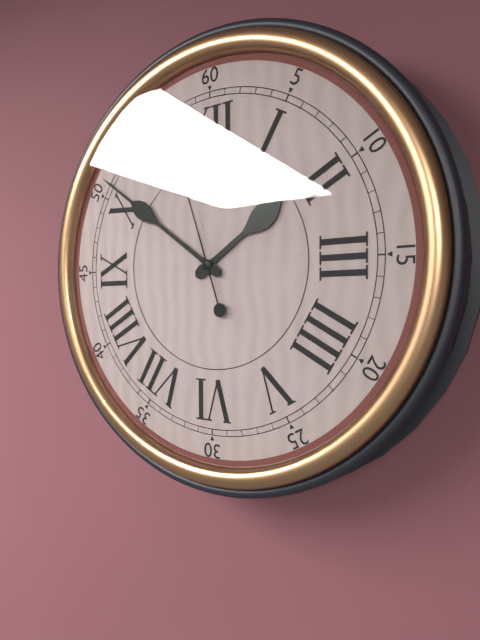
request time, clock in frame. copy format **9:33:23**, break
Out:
**1:51:57**
